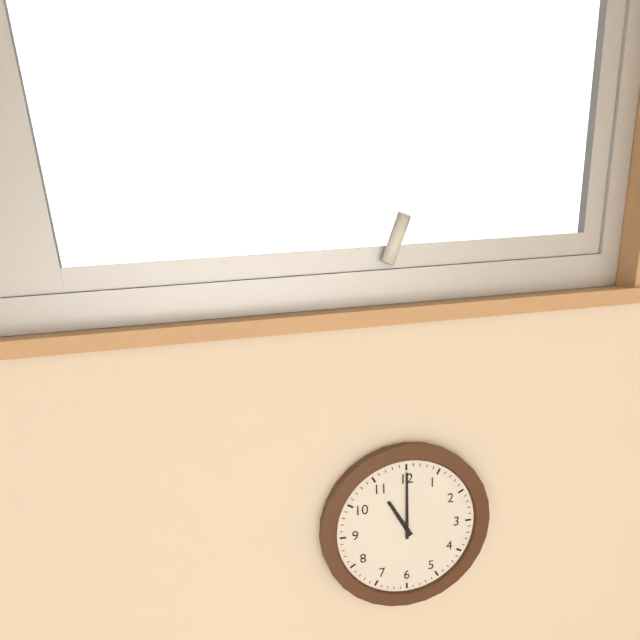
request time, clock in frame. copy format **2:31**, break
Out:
**11:00**
